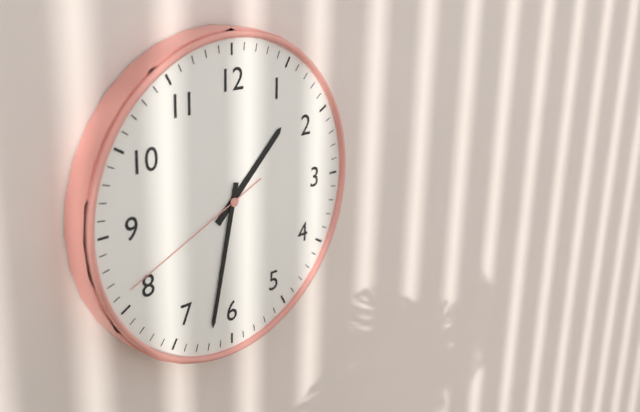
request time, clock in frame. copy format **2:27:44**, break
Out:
**1:32:41**
